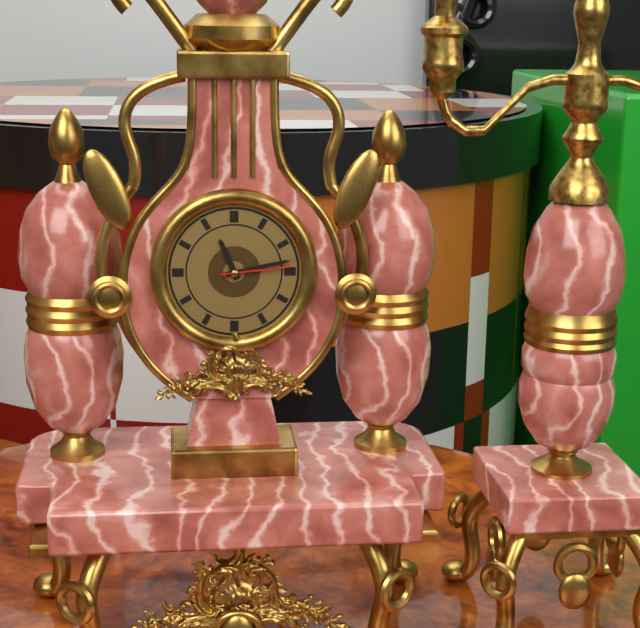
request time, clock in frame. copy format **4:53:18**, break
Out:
**11:13:14**
